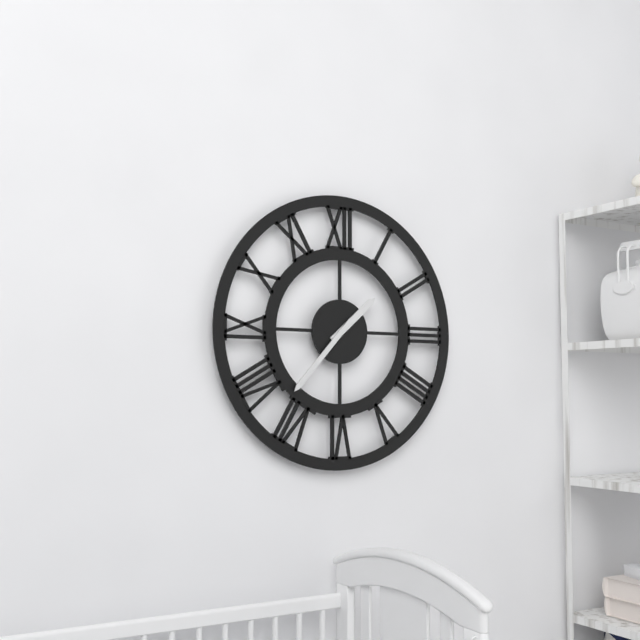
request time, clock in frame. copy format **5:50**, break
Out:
**1:37**
